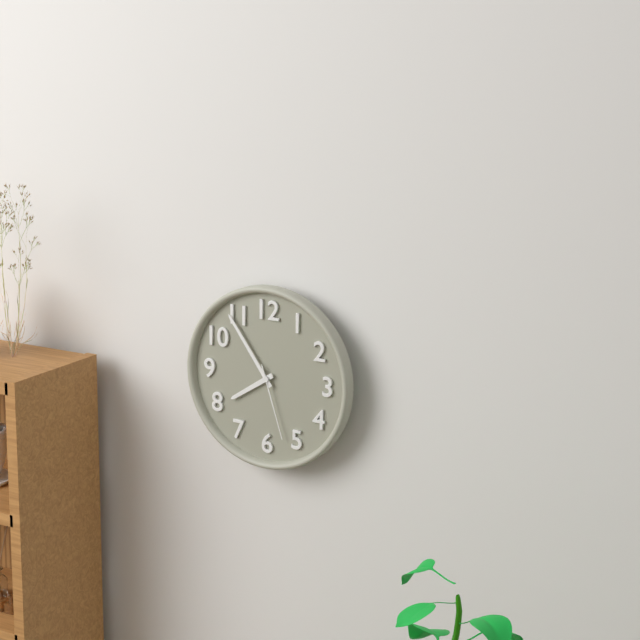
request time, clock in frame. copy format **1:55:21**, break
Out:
**7:54:27**
